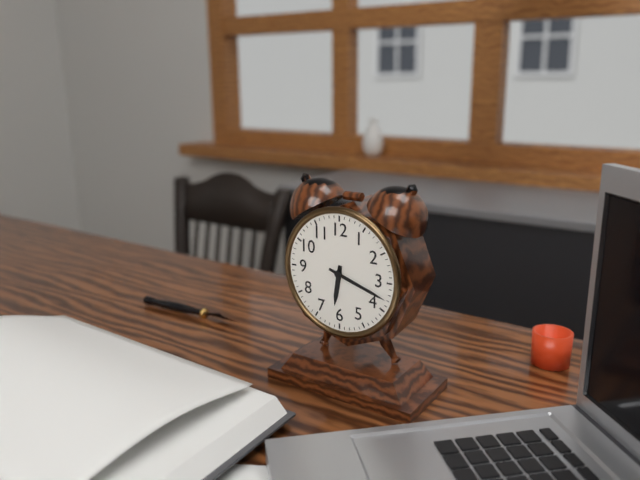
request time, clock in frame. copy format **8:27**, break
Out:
**6:18**
